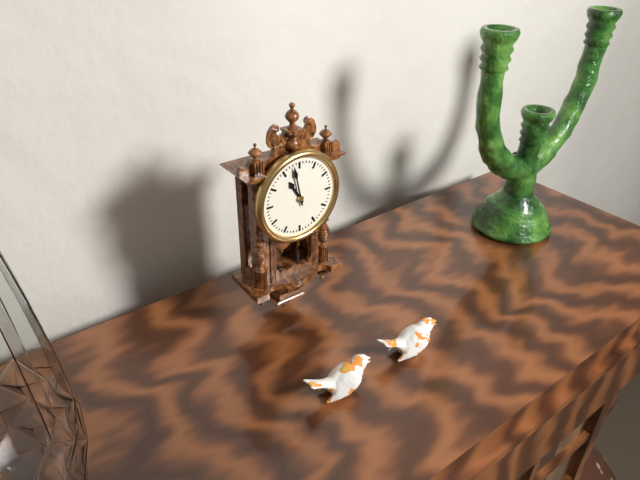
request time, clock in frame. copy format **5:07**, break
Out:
**10:58**
